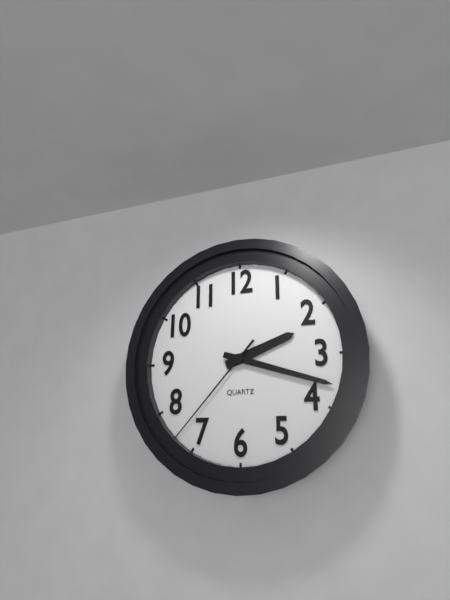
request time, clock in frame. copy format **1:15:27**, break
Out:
**2:18:37**
